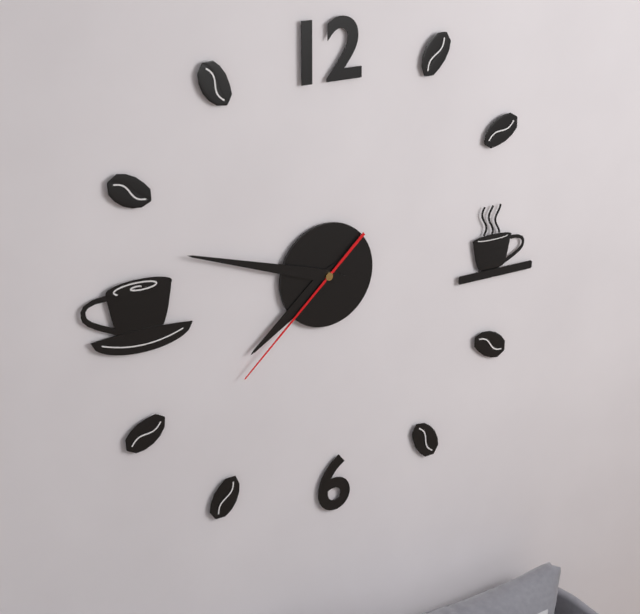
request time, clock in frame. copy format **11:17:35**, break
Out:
**7:48:38**
